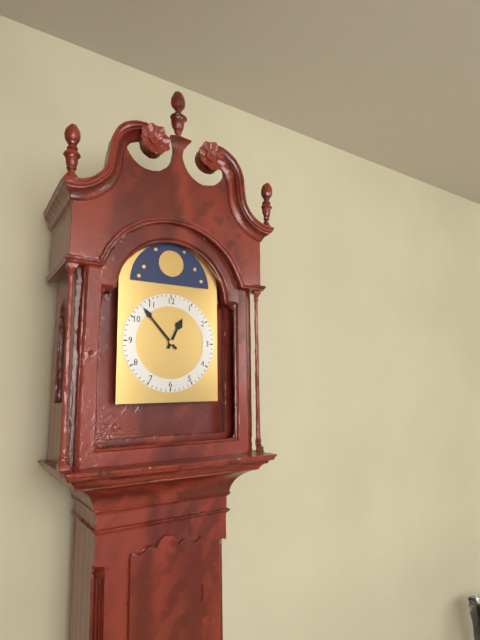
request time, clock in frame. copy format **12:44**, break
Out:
**12:53**
